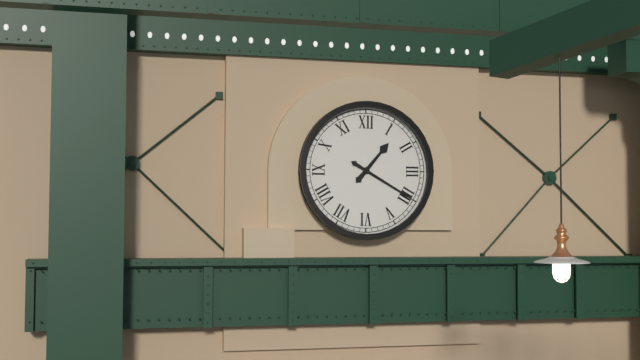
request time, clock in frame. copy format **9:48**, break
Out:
**1:20**
